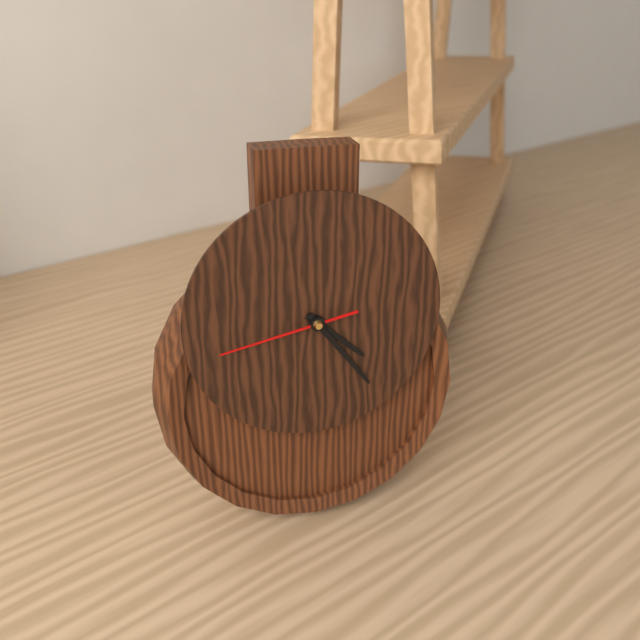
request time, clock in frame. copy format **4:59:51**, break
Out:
**4:24:43**
